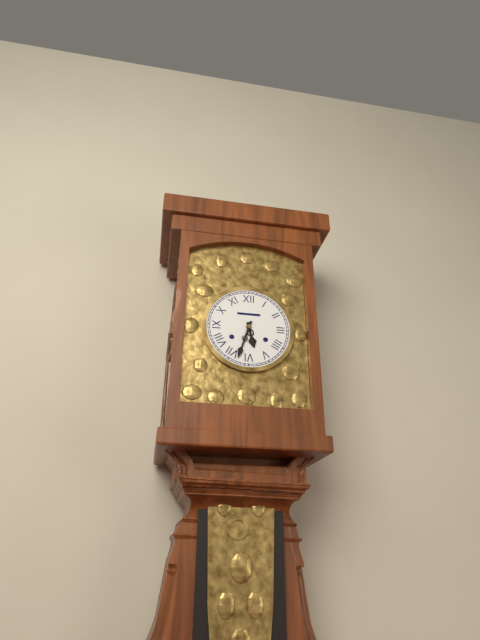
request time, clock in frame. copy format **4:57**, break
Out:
**5:33**
